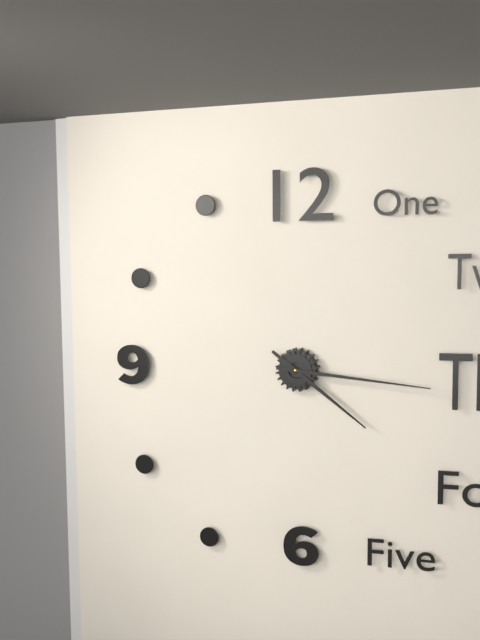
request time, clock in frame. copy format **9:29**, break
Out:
**4:16**
